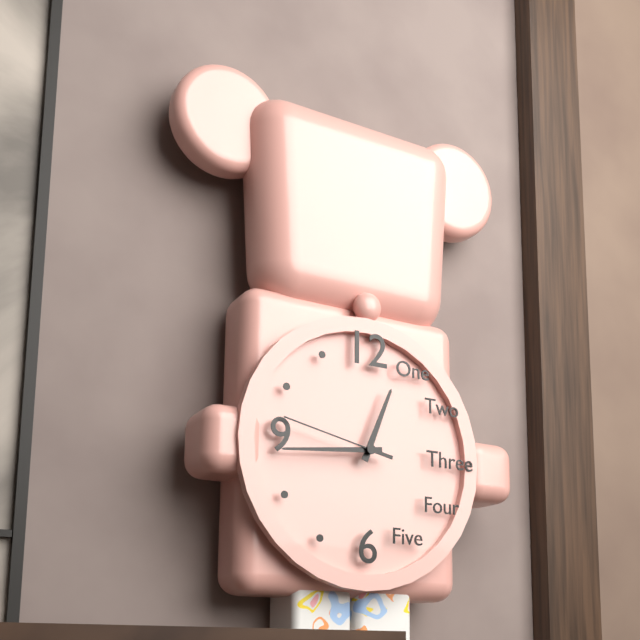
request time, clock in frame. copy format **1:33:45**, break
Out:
**12:44:47**
